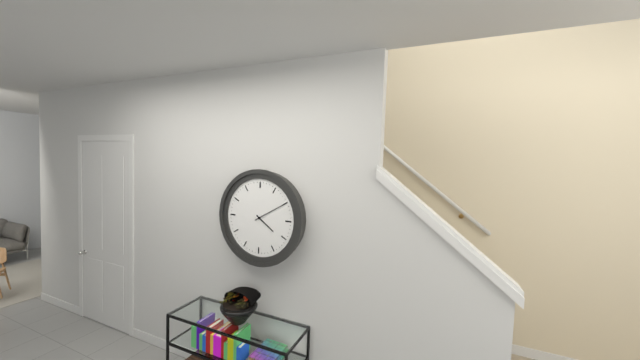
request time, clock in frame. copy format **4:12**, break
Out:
**4:10**
